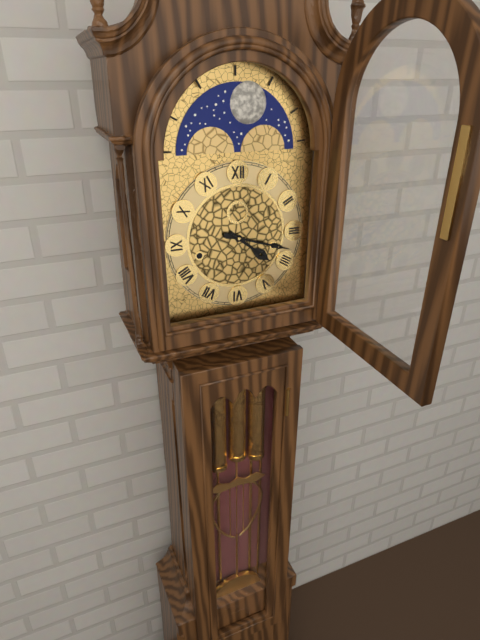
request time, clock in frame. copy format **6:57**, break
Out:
**4:18**
